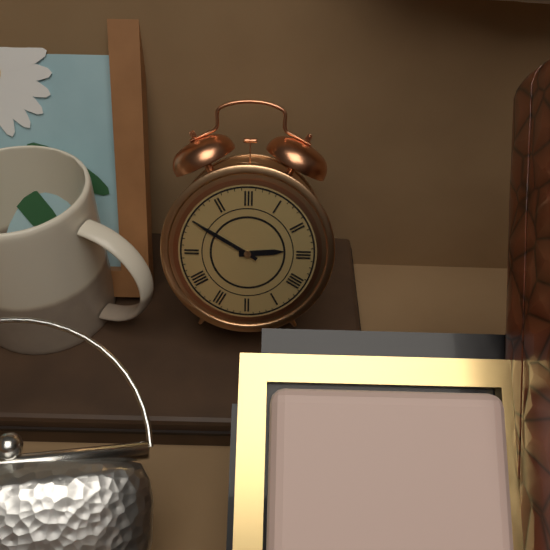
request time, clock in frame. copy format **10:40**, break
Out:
**2:50**
